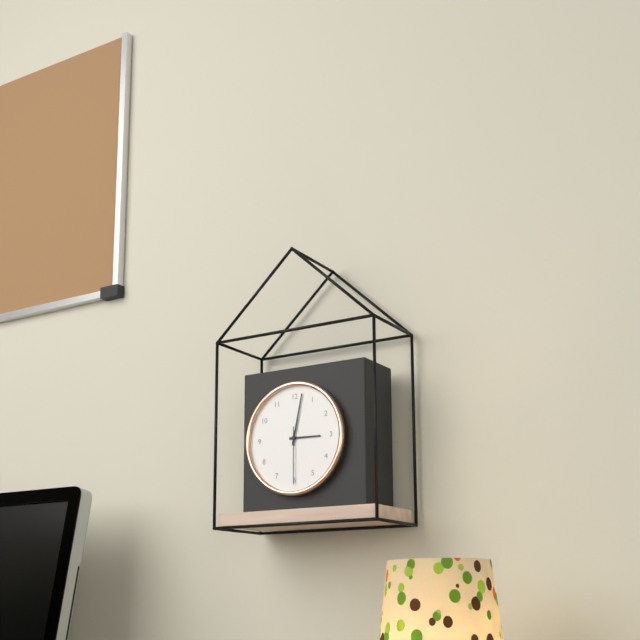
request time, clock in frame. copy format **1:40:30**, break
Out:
**3:02:30**
